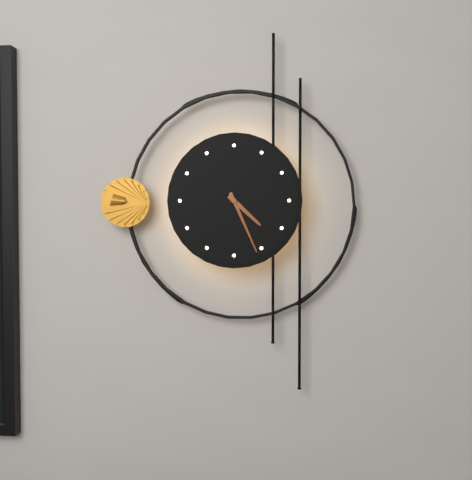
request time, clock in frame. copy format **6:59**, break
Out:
**4:26**
